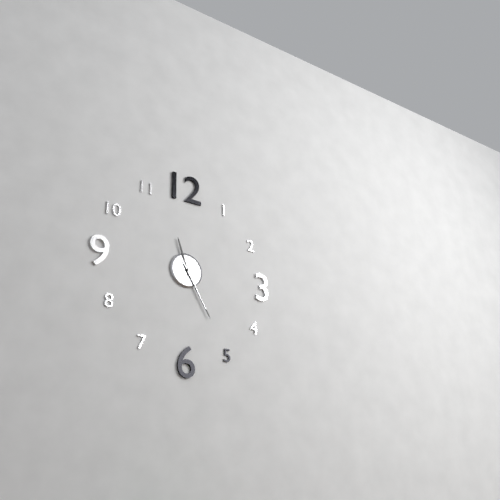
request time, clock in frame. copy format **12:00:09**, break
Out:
**11:25:25**
